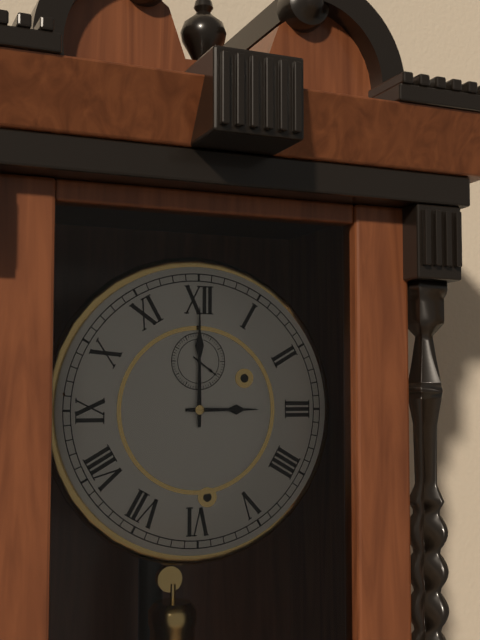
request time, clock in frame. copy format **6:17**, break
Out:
**3:00**
